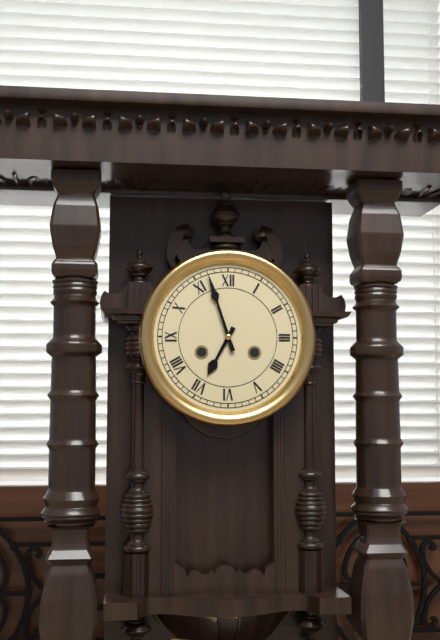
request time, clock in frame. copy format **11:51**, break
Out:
**6:57**
